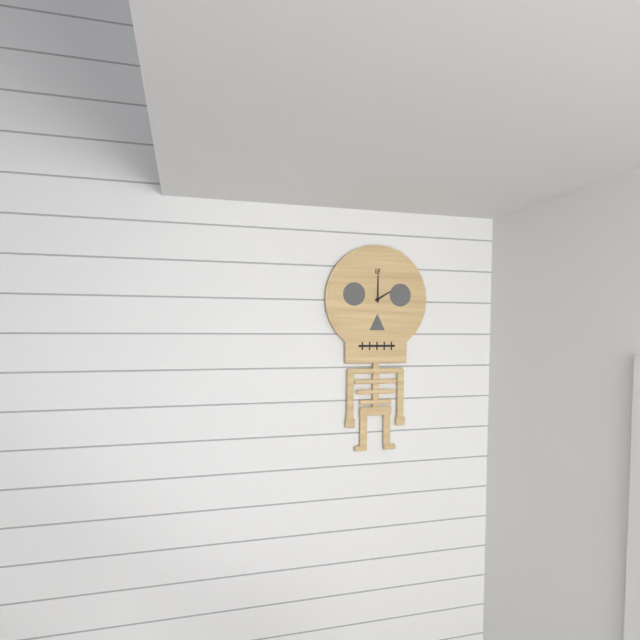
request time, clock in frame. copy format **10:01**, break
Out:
**2:00**
